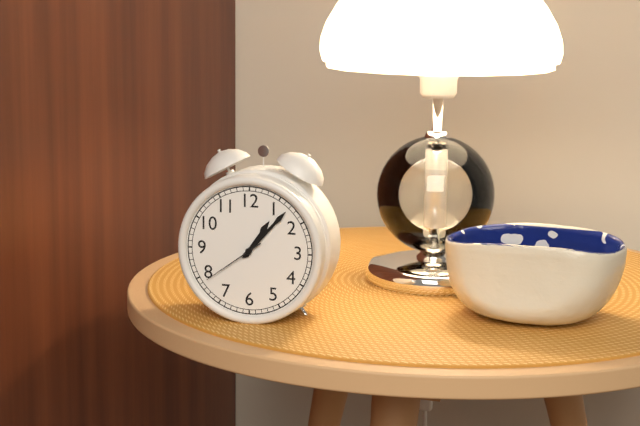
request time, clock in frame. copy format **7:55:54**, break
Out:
**1:07:39**
